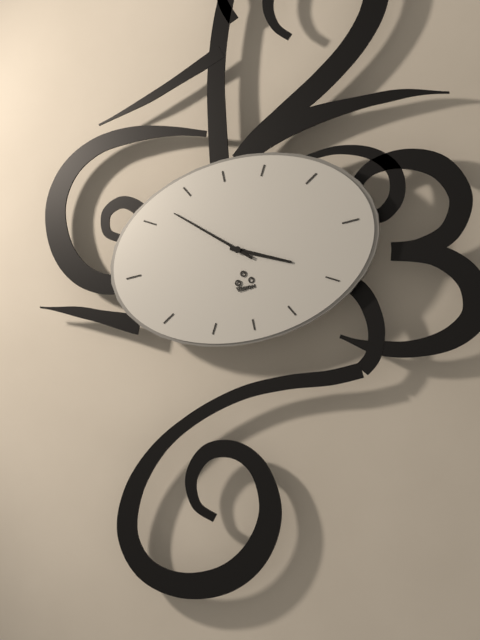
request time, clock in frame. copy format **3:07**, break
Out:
**3:52**
